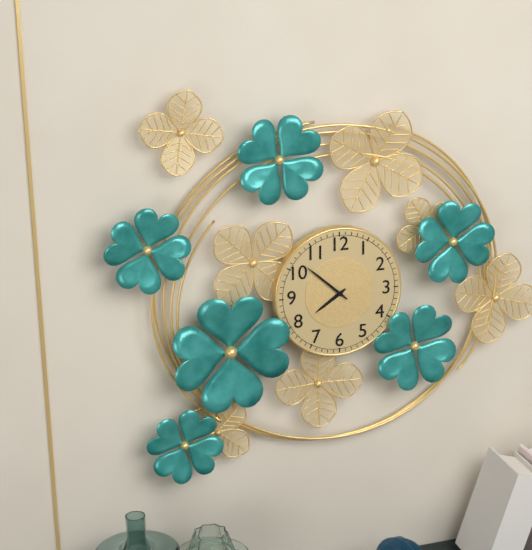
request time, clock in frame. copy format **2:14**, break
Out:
**7:52**
